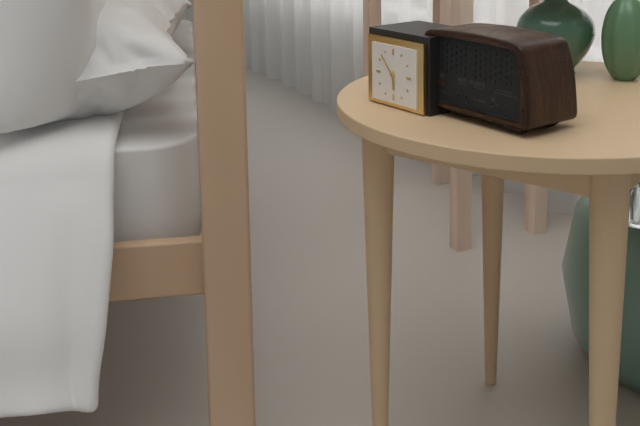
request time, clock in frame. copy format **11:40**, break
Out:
**5:53**
